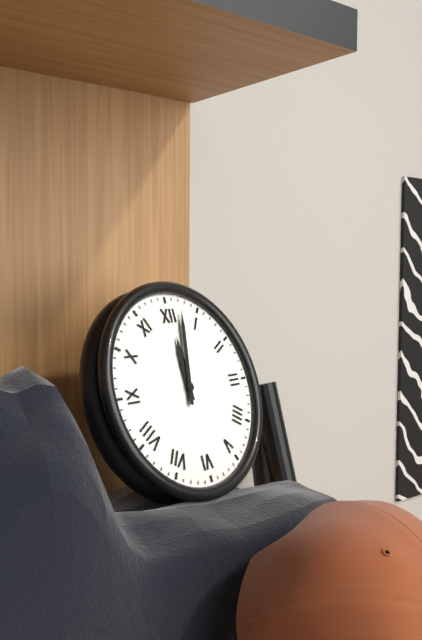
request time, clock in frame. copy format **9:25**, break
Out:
**12:02**
